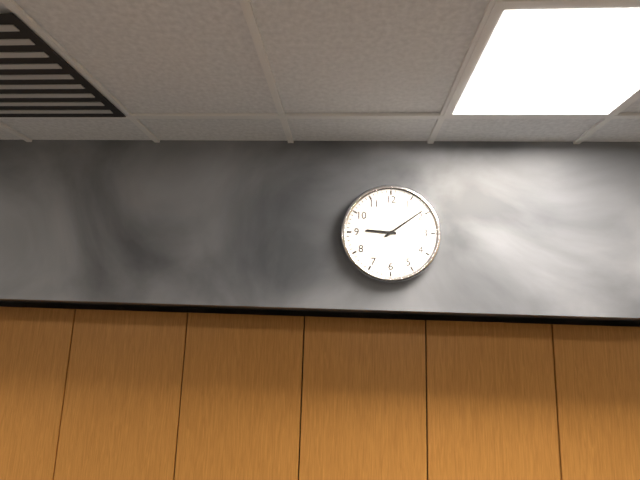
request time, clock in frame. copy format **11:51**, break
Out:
**9:09**
